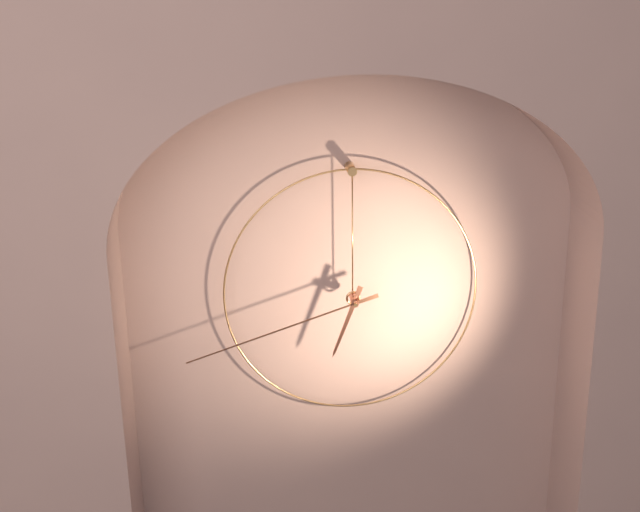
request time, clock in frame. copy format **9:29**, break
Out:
**6:42**
